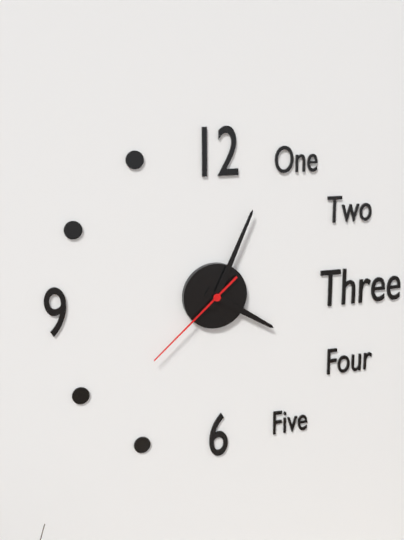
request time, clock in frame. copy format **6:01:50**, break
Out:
**4:04:38**
